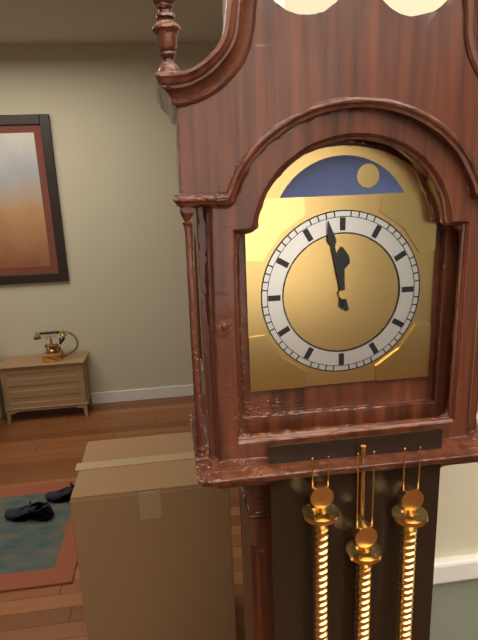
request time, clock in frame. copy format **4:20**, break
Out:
**11:58**
